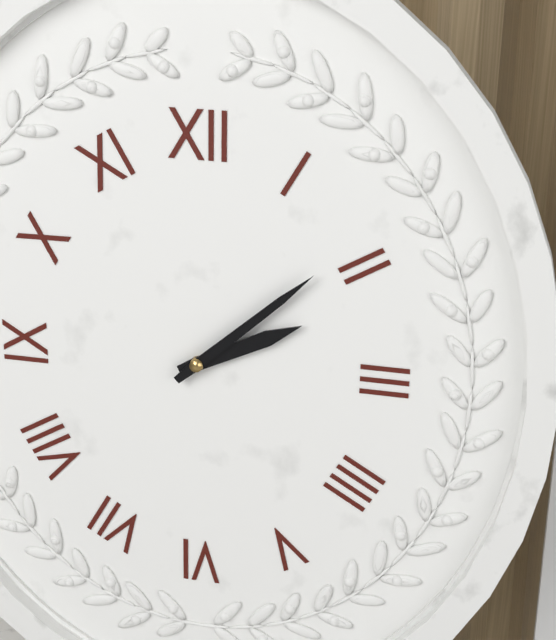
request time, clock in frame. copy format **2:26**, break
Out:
**2:08**
